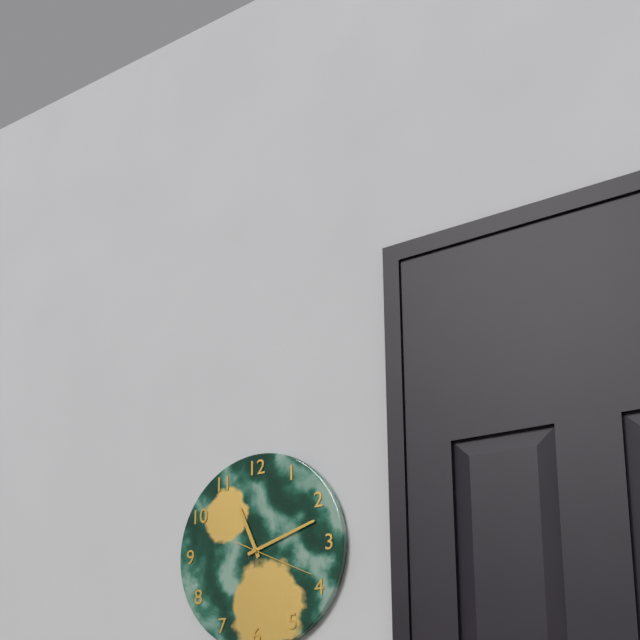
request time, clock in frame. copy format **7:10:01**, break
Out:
**11:12:19**
